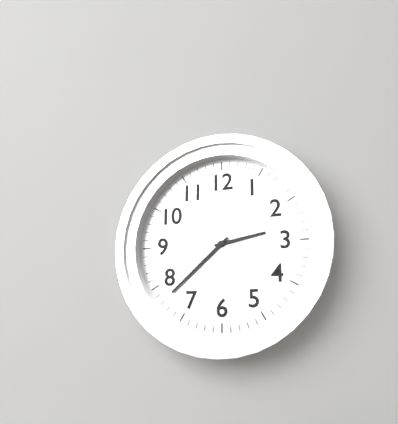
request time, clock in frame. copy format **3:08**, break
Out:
**2:38**
